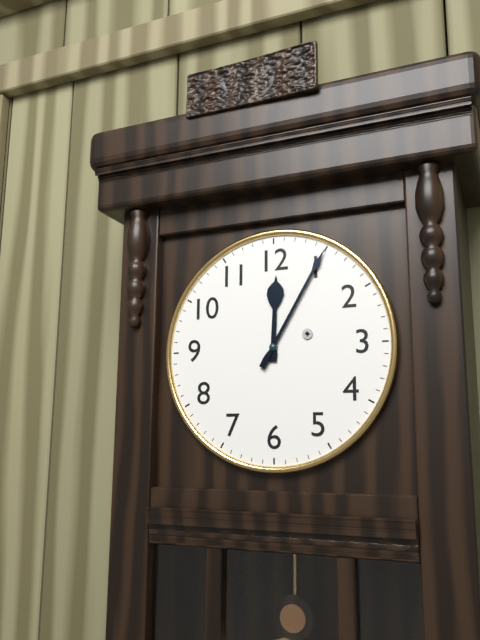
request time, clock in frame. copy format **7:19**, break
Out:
**12:05**
